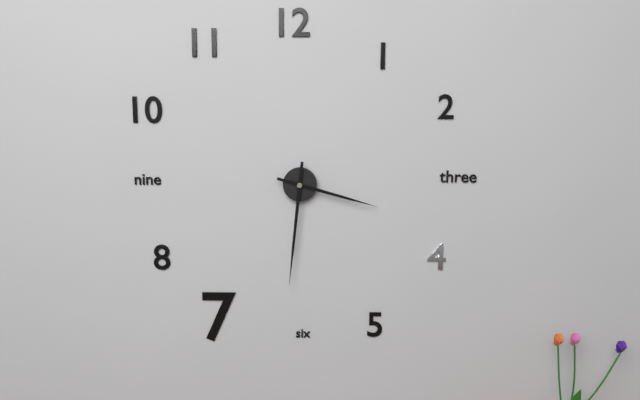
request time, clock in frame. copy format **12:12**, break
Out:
**3:31**
